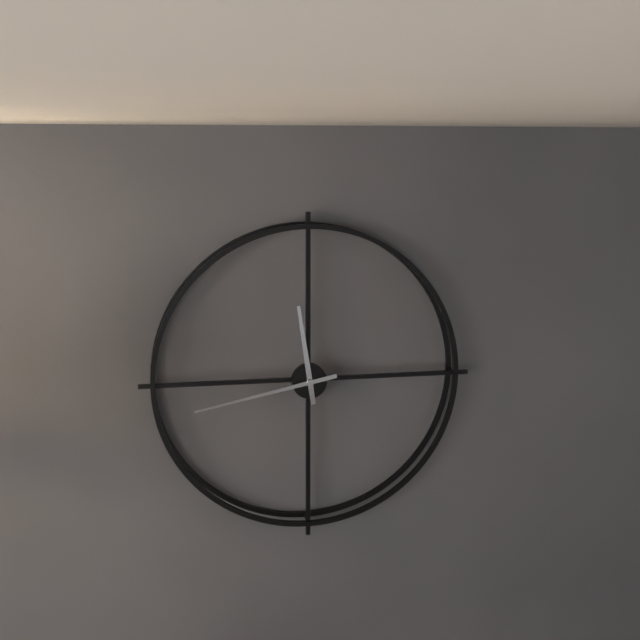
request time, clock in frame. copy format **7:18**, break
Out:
**11:43**
